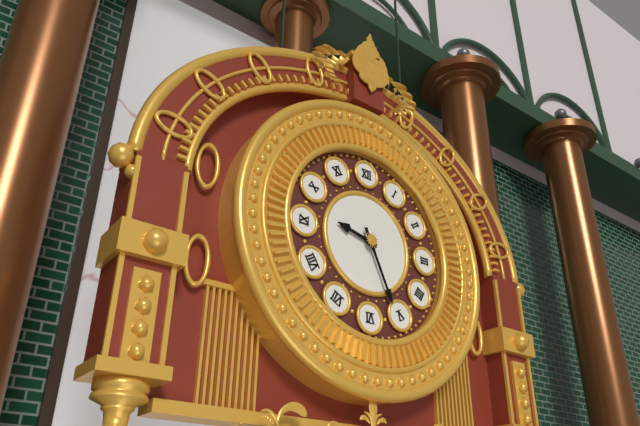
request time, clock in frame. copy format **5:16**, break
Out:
**9:26**
